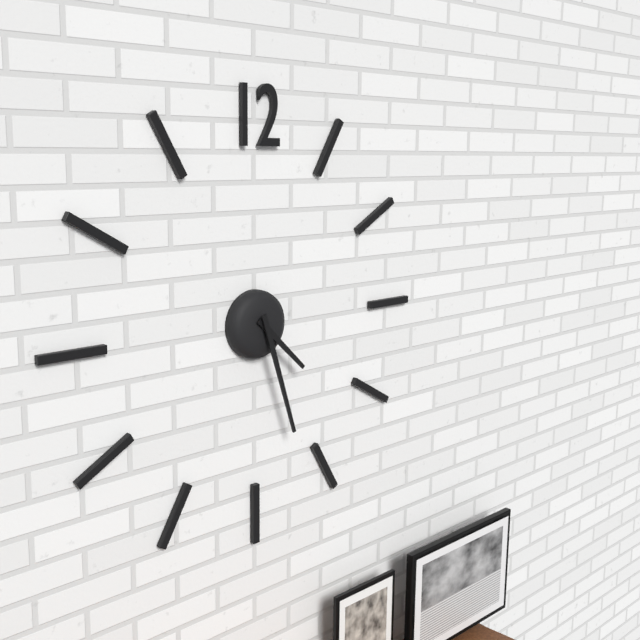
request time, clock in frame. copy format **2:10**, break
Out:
**4:27**
